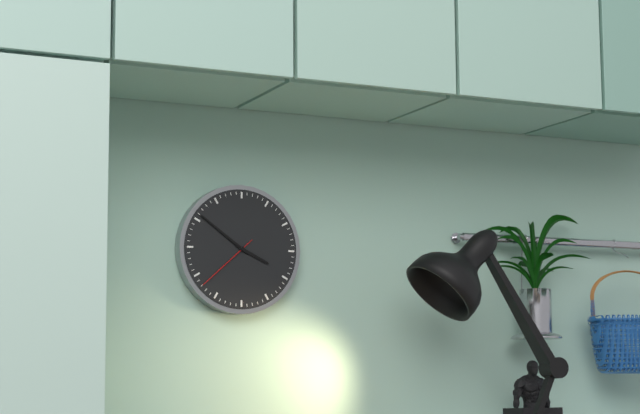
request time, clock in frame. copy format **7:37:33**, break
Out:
**3:51:38**
